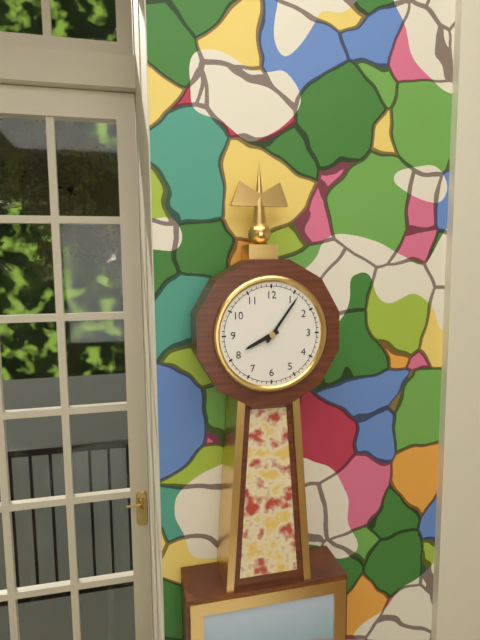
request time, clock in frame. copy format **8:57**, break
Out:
**8:06**
